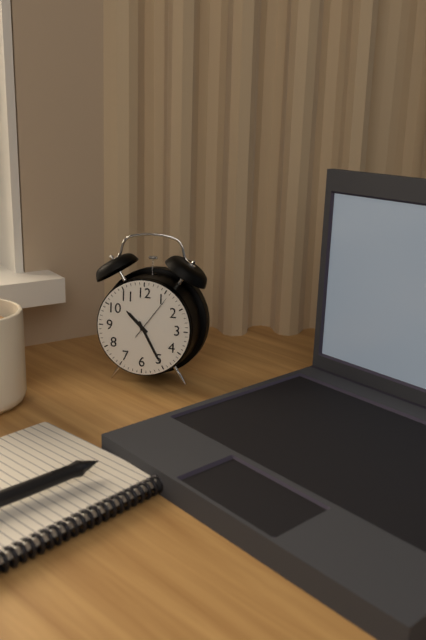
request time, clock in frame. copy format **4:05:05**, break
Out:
**10:25:06**
